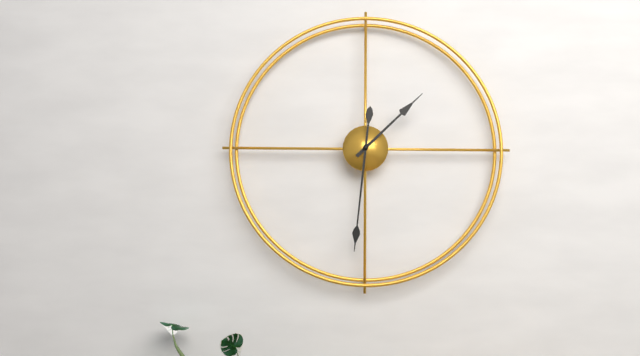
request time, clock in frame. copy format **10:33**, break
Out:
**1:31**
